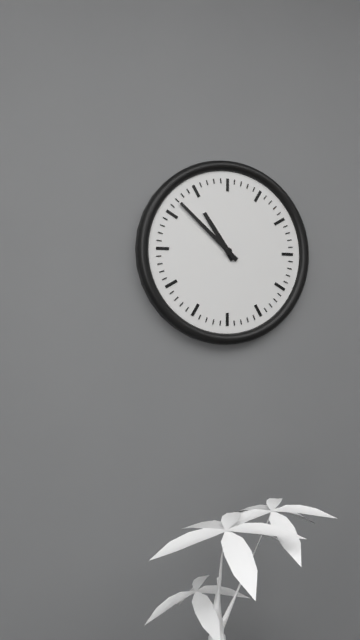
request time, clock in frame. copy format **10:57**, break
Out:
**10:52**
